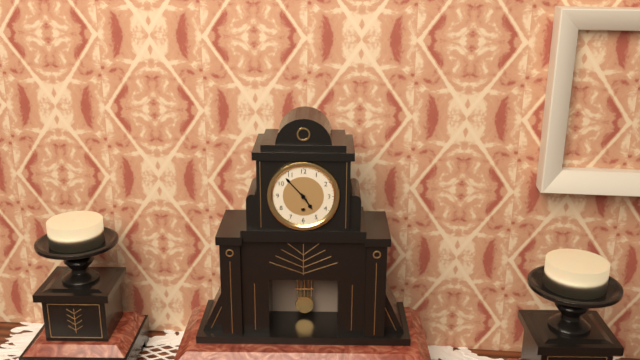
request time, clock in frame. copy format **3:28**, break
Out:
**4:53**
